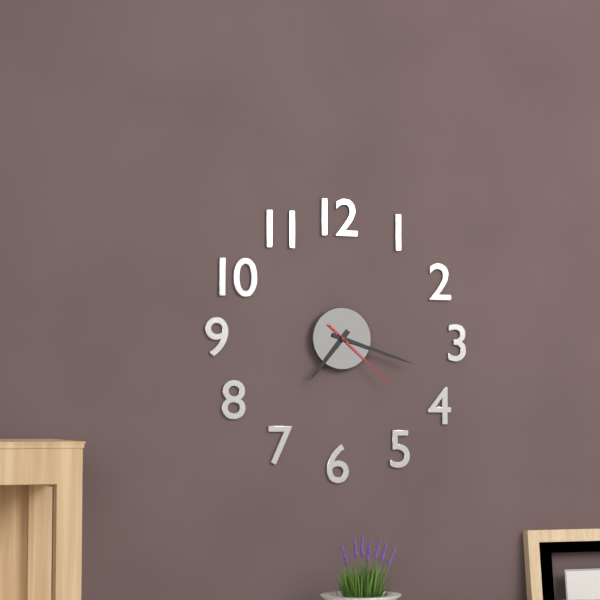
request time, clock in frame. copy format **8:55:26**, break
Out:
**7:18:22**
